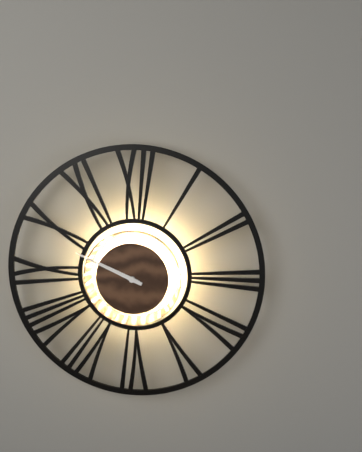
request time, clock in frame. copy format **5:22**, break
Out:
**9:49**
